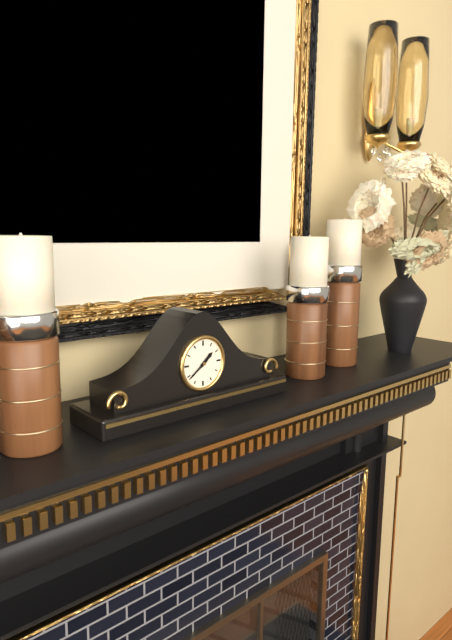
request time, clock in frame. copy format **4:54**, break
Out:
**1:39**
